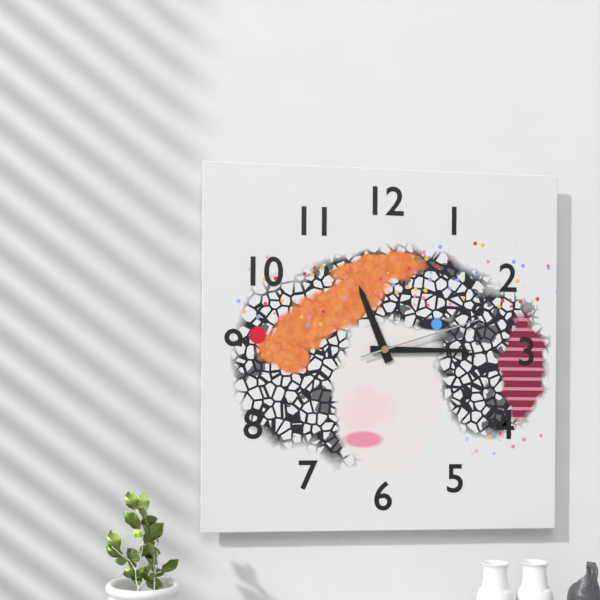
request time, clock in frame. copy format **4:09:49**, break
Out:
**11:15:12**
